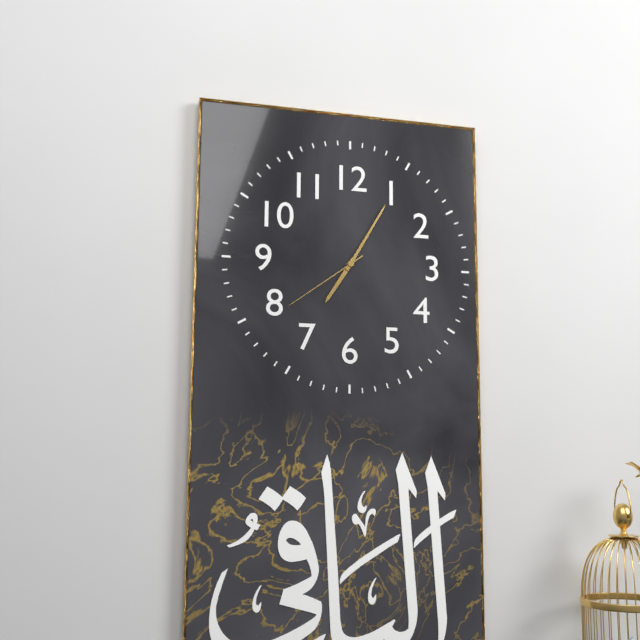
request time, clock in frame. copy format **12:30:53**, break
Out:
**7:05:39**
